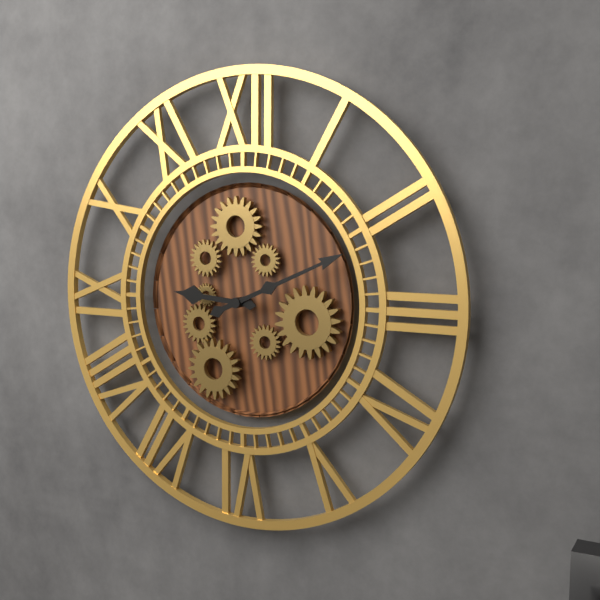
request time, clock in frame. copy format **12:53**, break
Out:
**9:11**
